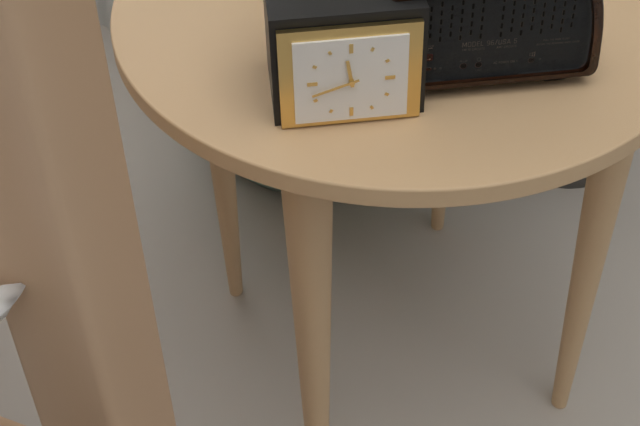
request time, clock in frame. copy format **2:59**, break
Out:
**11:42**
